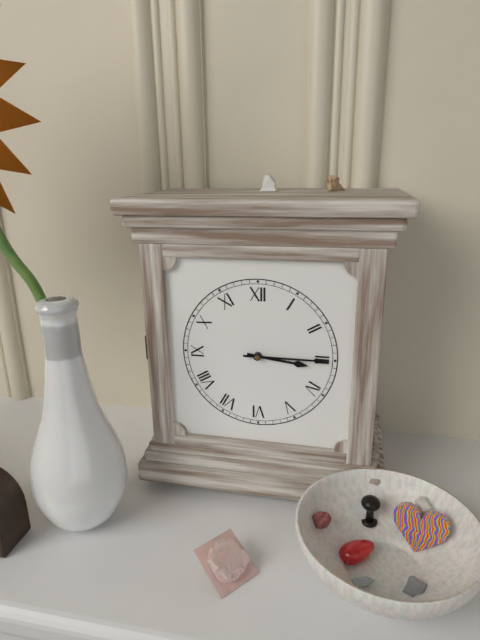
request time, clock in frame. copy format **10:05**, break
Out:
**3:15**
